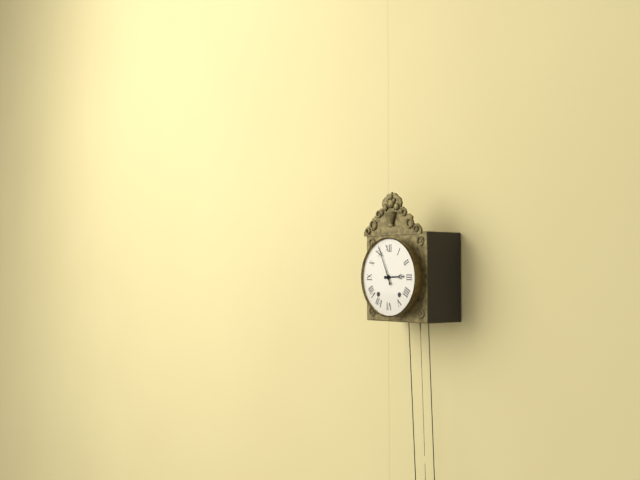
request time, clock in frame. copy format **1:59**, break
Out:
**2:56**
